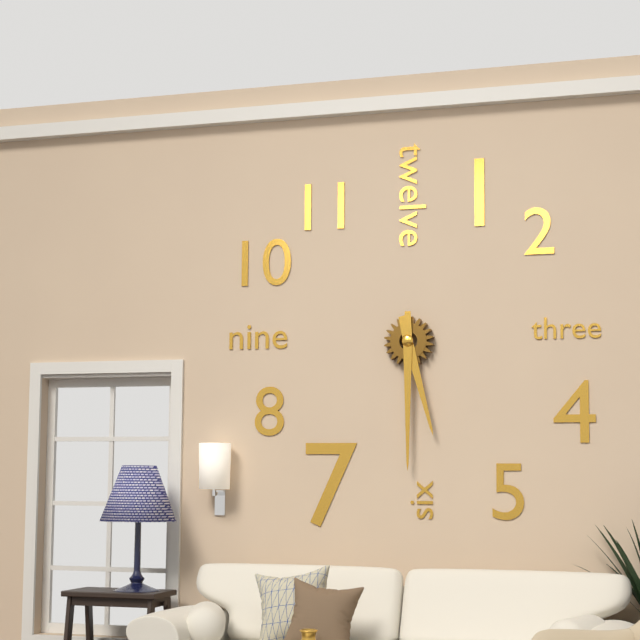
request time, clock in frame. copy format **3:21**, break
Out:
**5:30**
